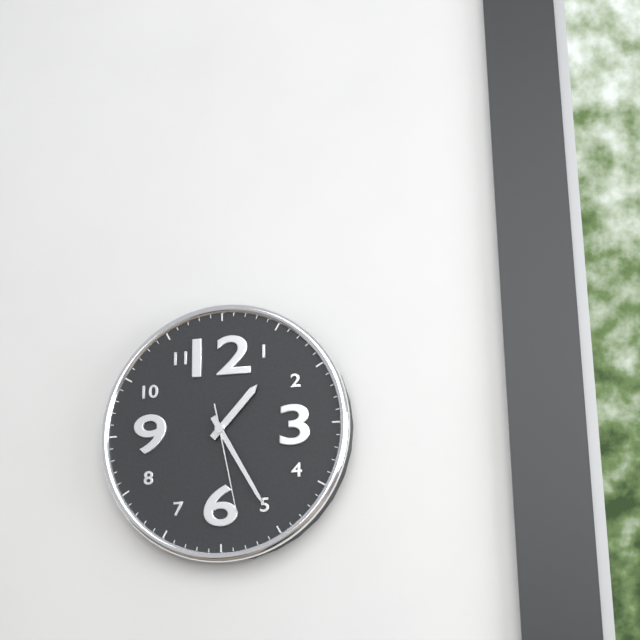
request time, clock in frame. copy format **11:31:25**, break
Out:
**1:25:28**
